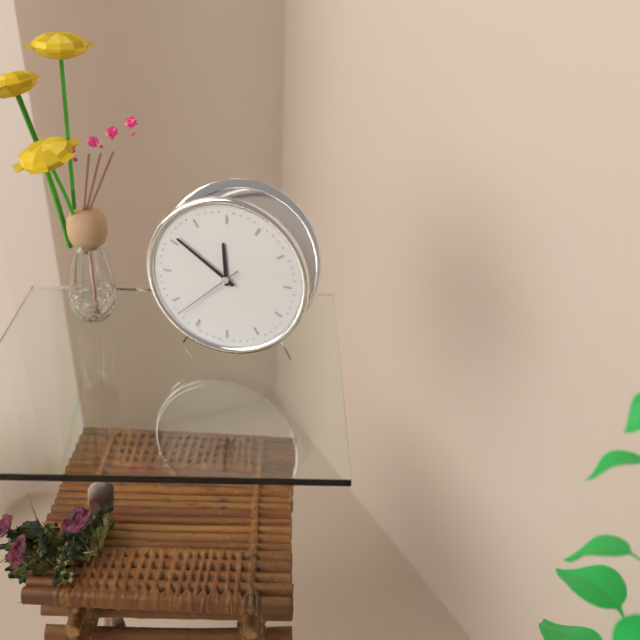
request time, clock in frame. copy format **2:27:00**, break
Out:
**11:51:38**
